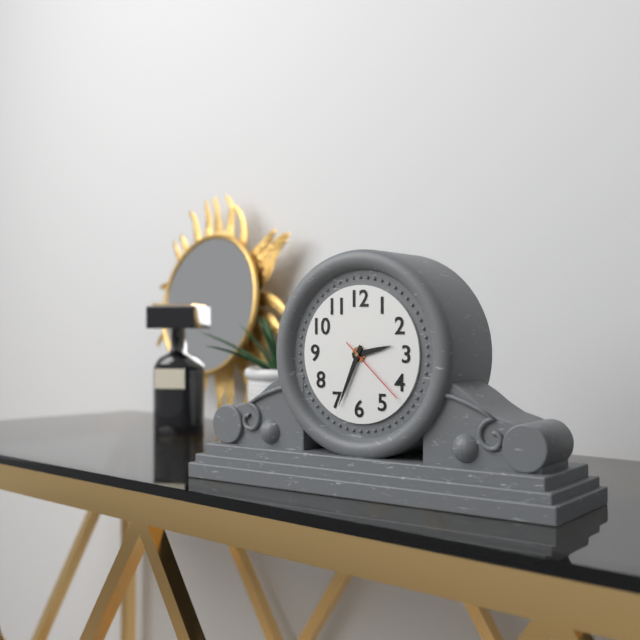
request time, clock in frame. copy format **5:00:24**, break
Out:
**2:34:22**
